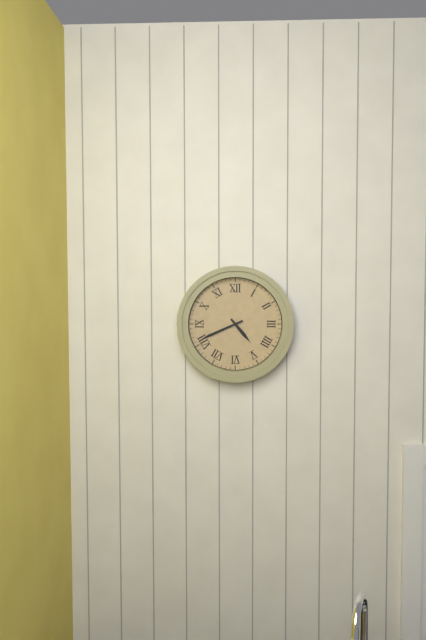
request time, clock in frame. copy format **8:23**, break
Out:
**4:41**
